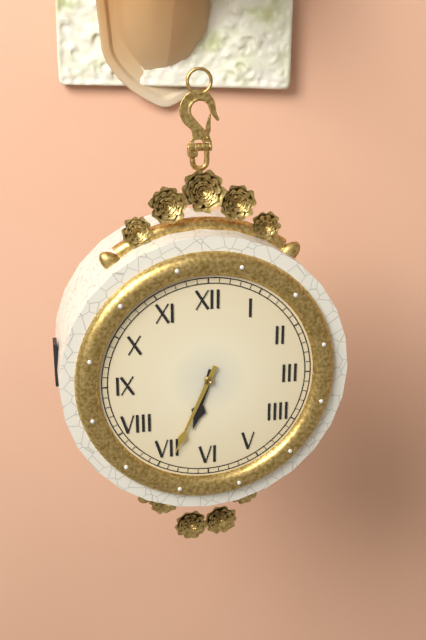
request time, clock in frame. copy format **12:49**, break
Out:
**6:34**
